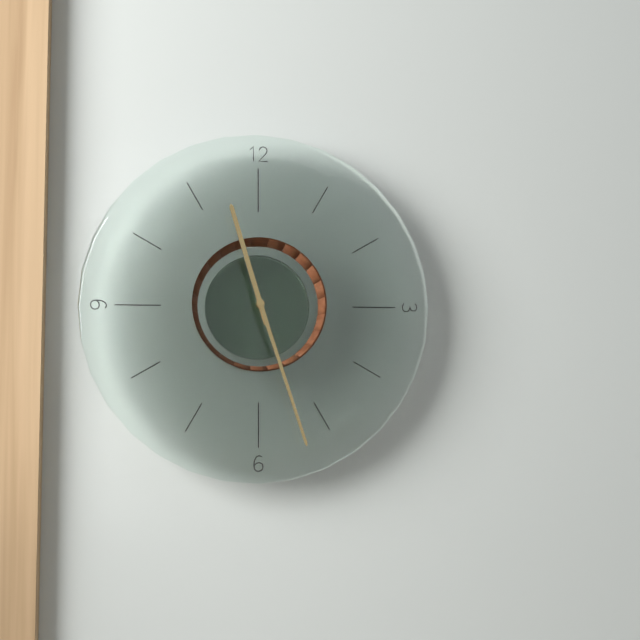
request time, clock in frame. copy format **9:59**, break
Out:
**11:27**
